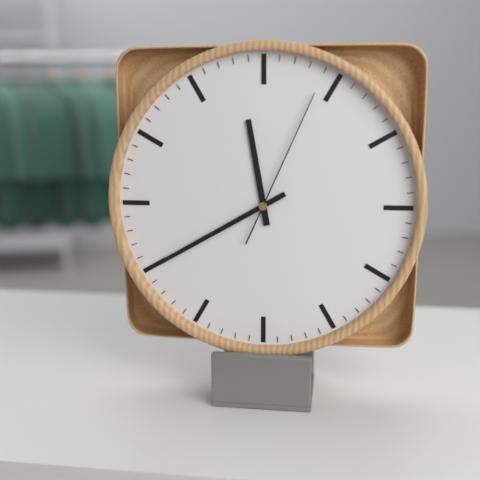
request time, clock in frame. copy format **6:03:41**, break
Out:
**11:40:04**
